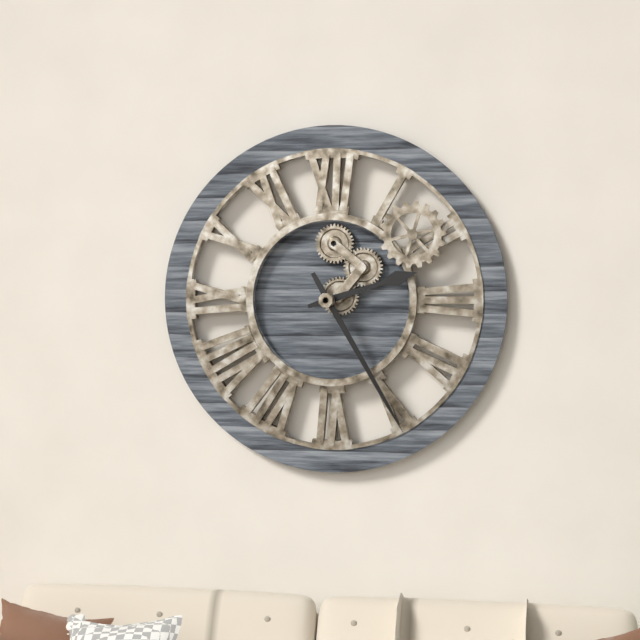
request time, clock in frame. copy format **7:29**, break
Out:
**2:25**
